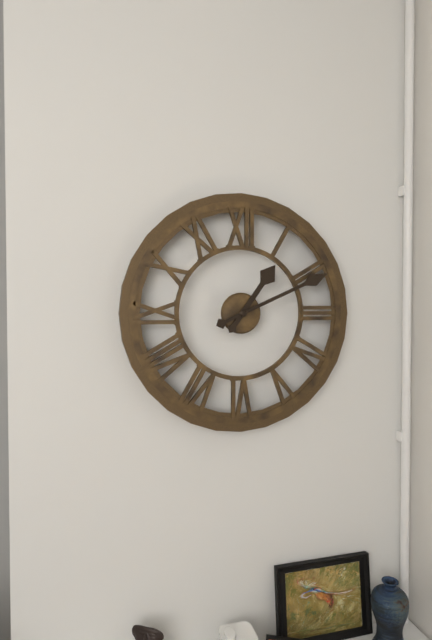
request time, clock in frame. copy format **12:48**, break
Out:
**1:11**
